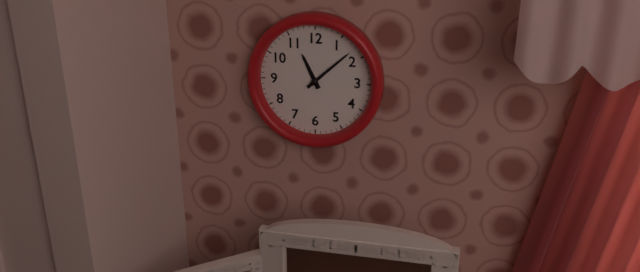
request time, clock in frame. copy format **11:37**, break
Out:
**11:08**
